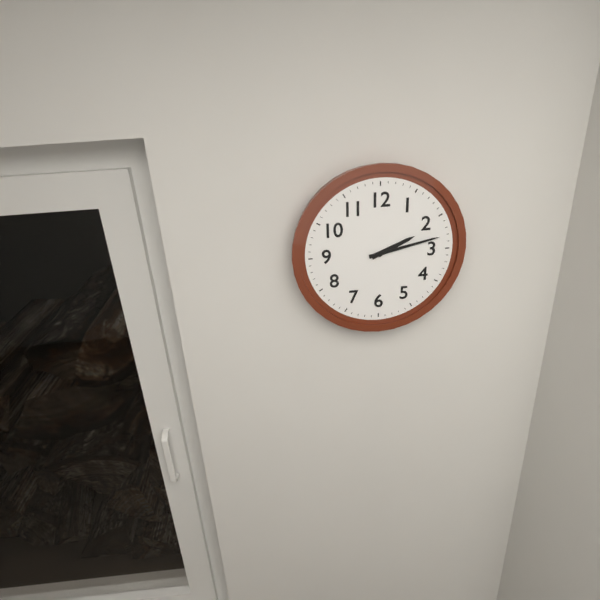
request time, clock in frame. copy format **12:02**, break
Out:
**2:13**
